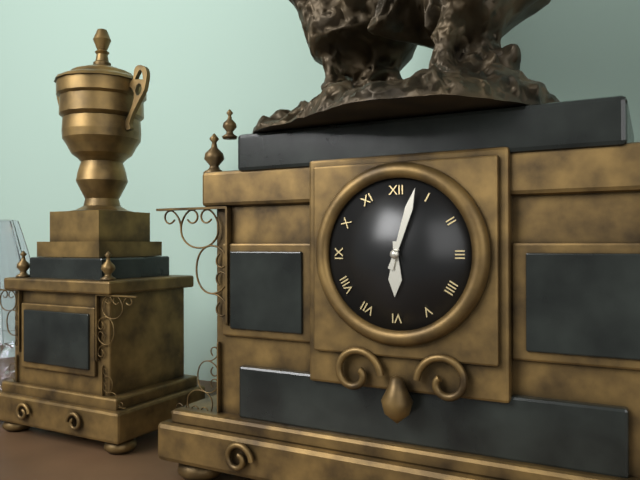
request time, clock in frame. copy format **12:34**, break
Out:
**6:03**
